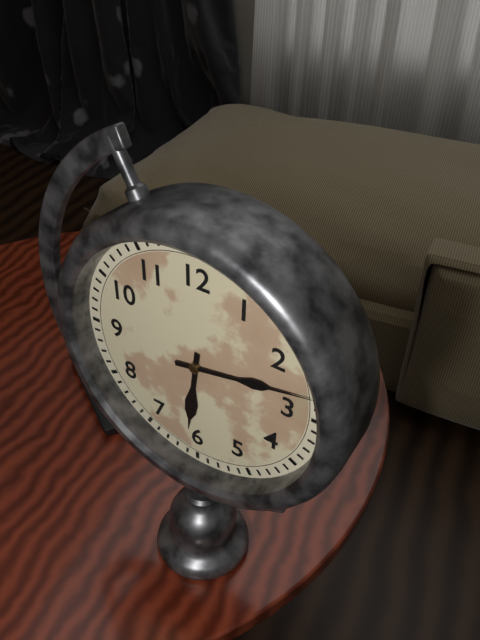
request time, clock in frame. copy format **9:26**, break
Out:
**6:13**
